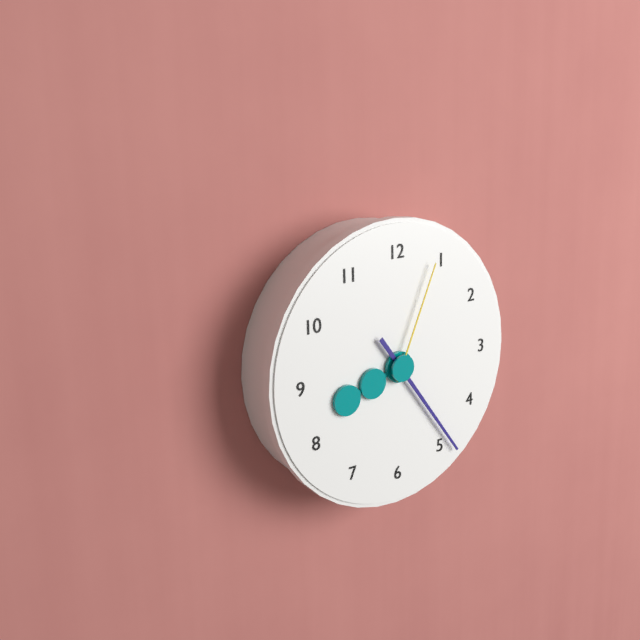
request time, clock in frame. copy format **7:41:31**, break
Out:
**8:24:04**
